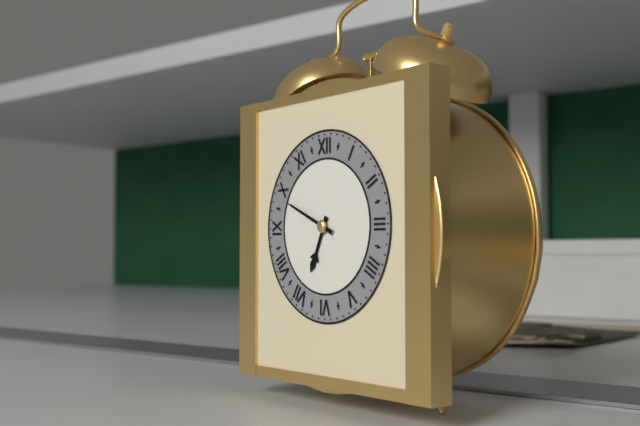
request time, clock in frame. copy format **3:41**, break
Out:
**6:49**
